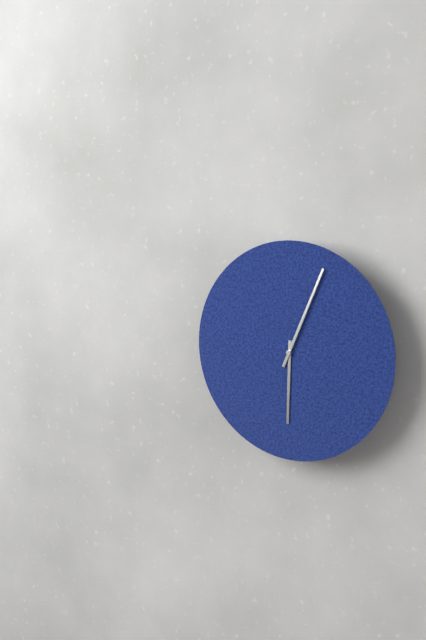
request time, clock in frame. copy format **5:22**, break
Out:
**6:04**
